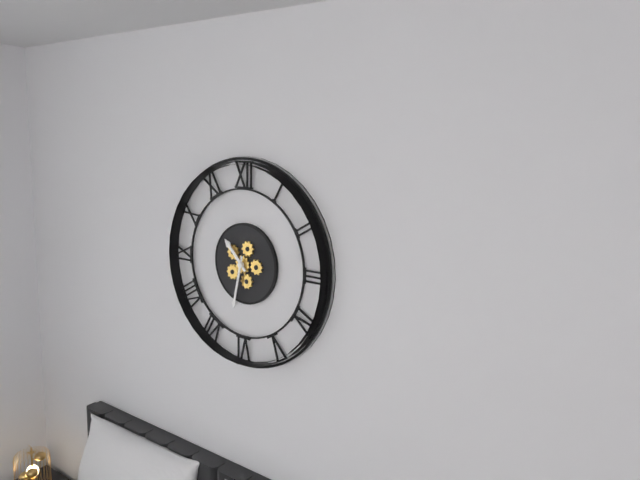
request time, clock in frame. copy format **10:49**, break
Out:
**10:32**
